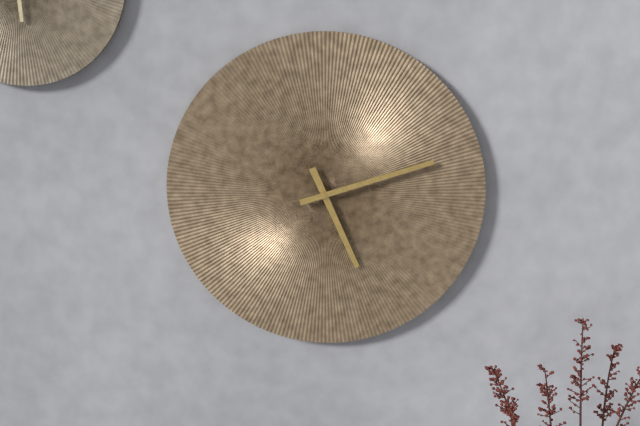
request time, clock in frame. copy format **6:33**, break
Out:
**5:12**
